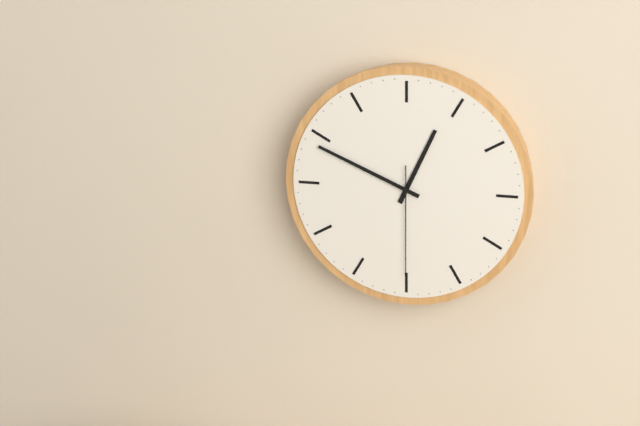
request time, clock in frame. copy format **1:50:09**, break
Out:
**12:49:30**
